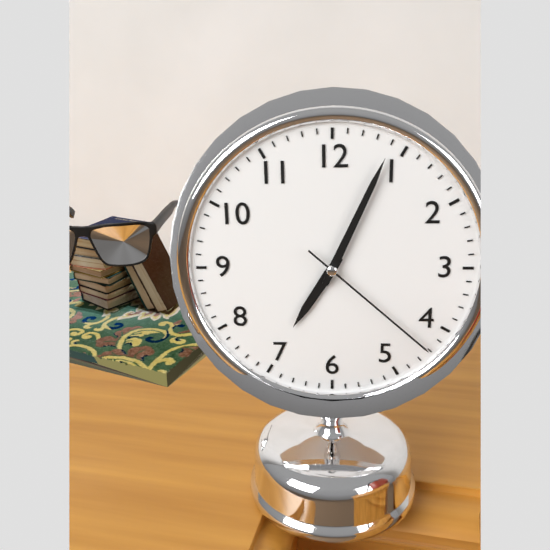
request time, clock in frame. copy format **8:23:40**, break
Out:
**7:04:22**
